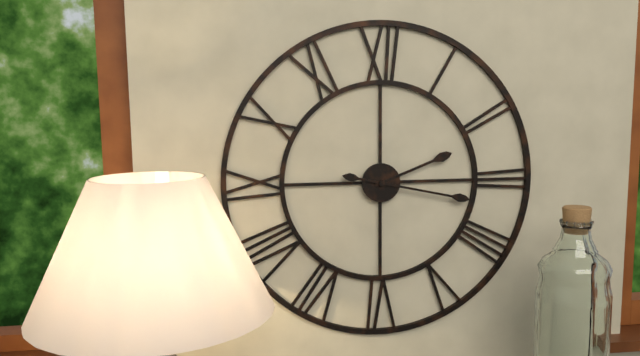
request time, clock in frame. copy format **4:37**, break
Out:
**2:17**
